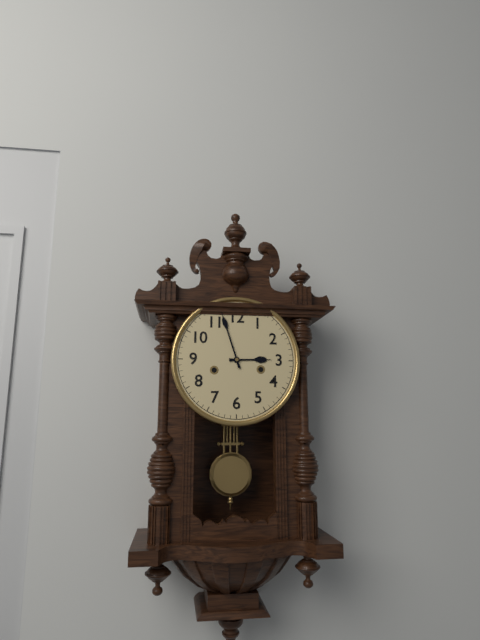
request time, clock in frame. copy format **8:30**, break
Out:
**2:57**
